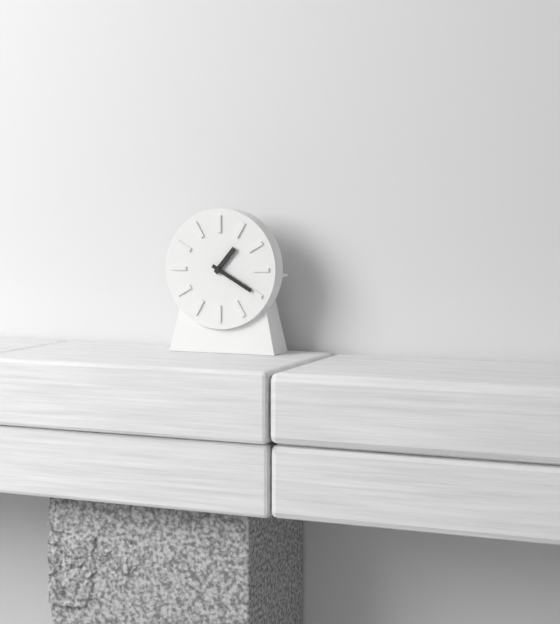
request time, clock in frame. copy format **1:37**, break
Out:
**1:20**
